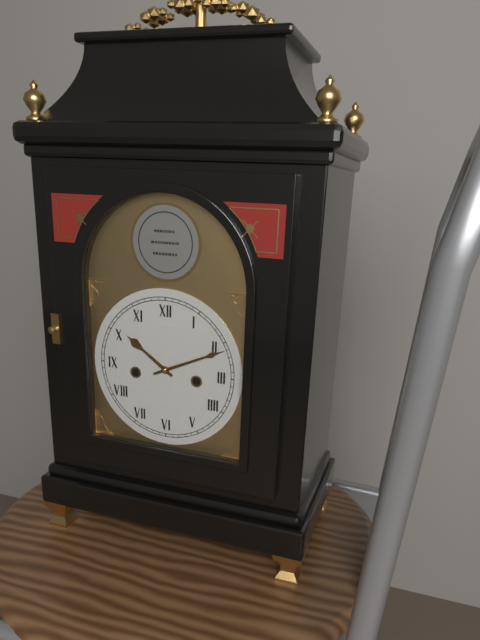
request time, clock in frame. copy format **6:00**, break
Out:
**10:11**
